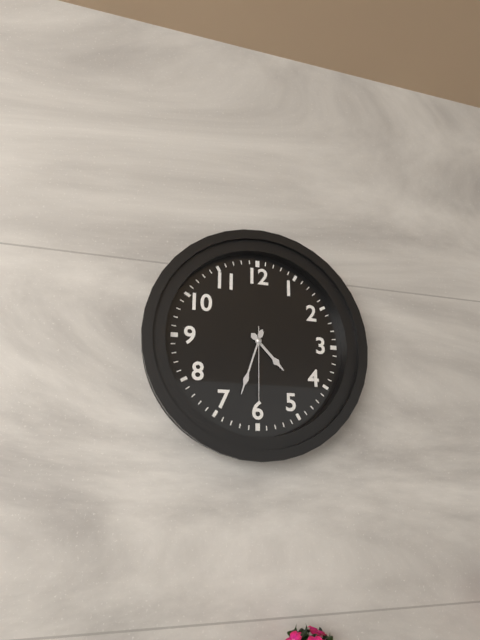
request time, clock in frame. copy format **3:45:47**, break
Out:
**4:33:30**
